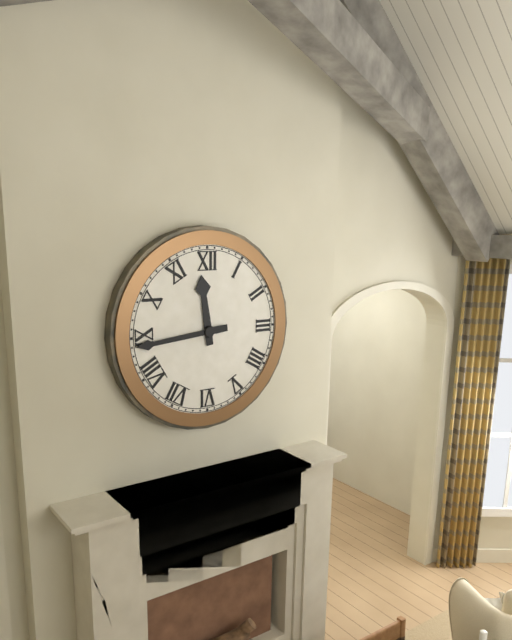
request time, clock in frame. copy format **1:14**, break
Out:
**11:44**
